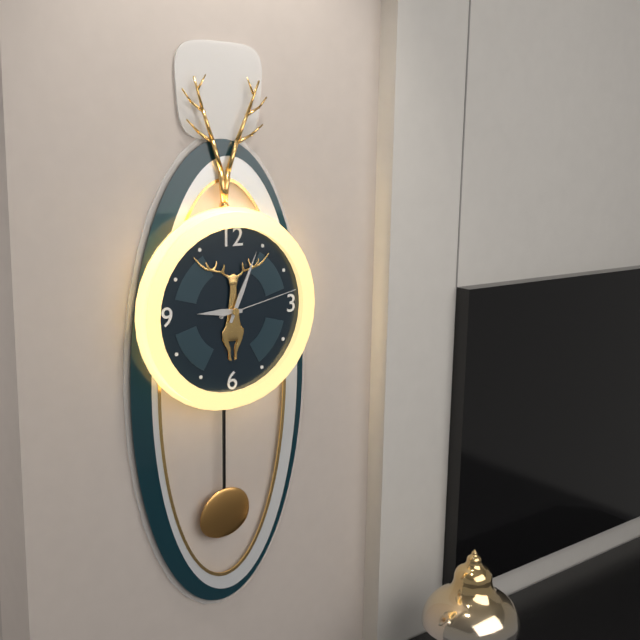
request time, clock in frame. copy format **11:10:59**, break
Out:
**9:04:13**
